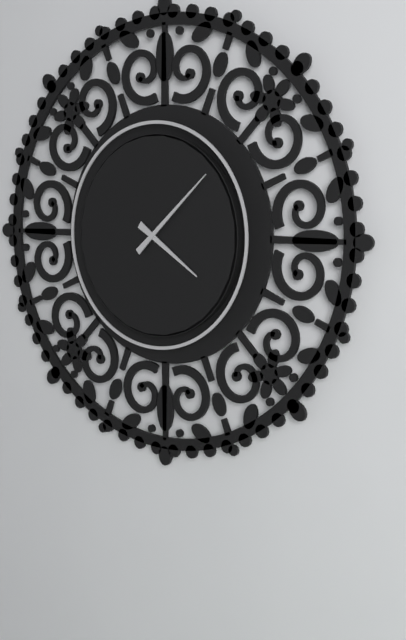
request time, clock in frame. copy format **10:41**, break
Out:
**4:08**
